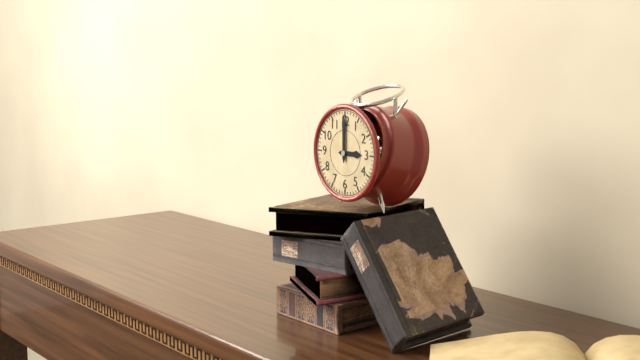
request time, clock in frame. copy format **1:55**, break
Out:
**3:00**
